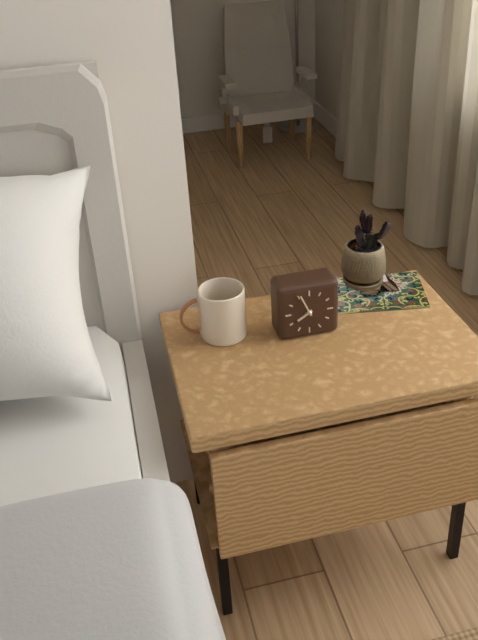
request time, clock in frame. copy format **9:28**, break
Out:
**7:56**
